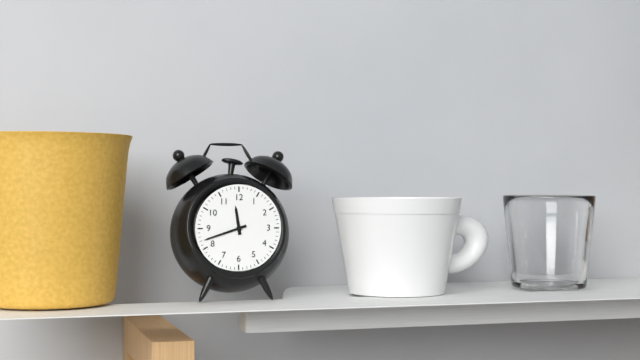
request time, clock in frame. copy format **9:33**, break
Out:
**11:42**
